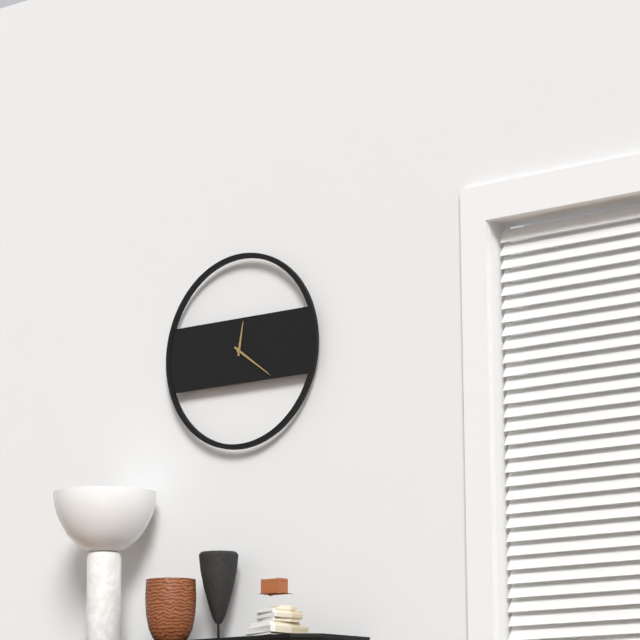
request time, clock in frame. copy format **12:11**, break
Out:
**12:21**
